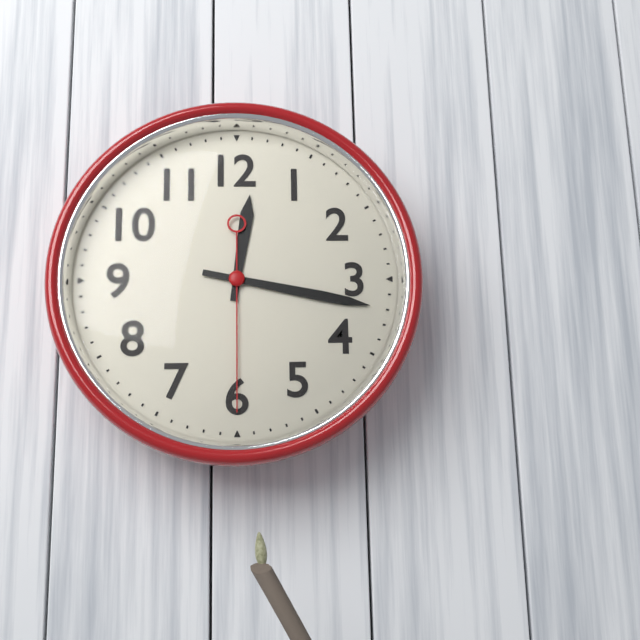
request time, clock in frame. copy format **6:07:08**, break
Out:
**12:17:30**
